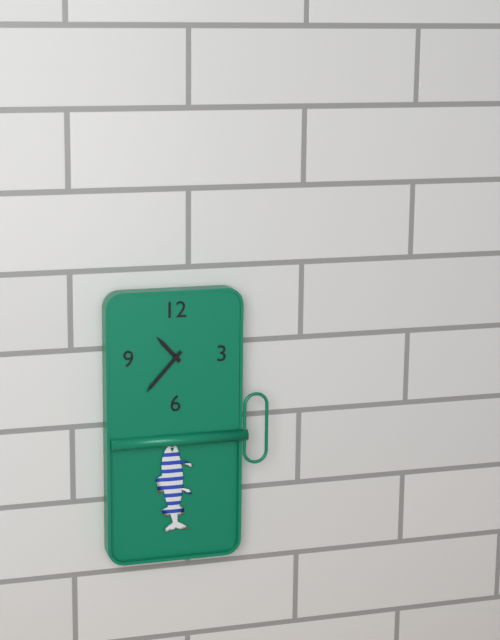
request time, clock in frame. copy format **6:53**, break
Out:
**10:37**
